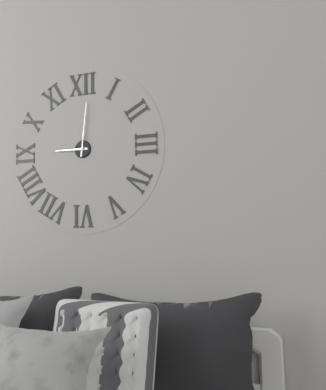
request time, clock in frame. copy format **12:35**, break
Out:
**9:01**
